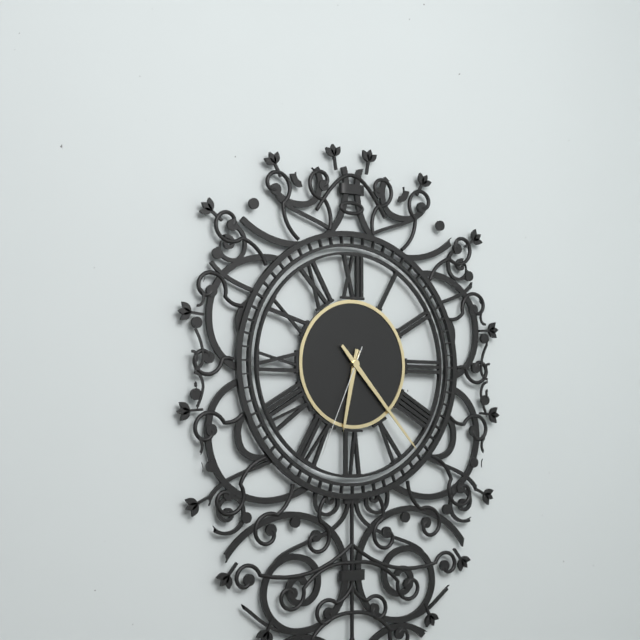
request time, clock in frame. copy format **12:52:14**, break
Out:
**6:23:34**
